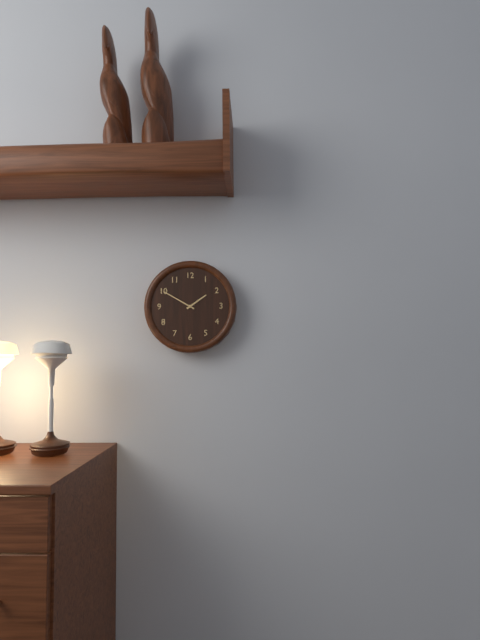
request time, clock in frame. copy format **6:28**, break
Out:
**1:50**
